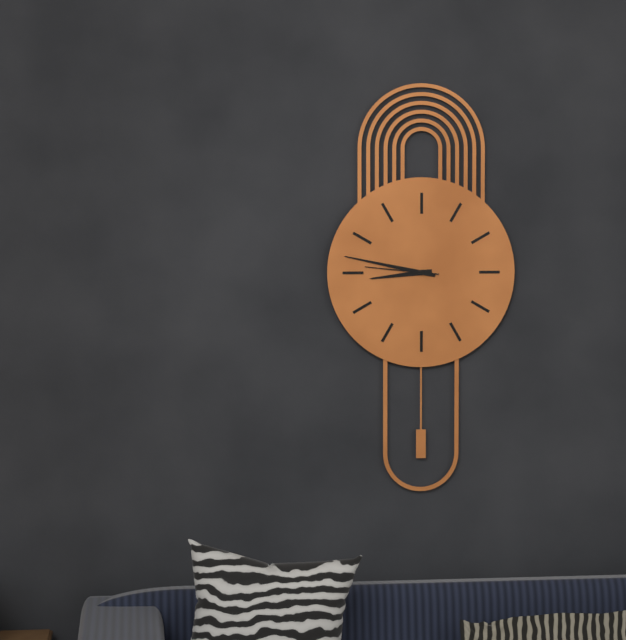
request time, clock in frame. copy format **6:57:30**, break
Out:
**8:47:46**
